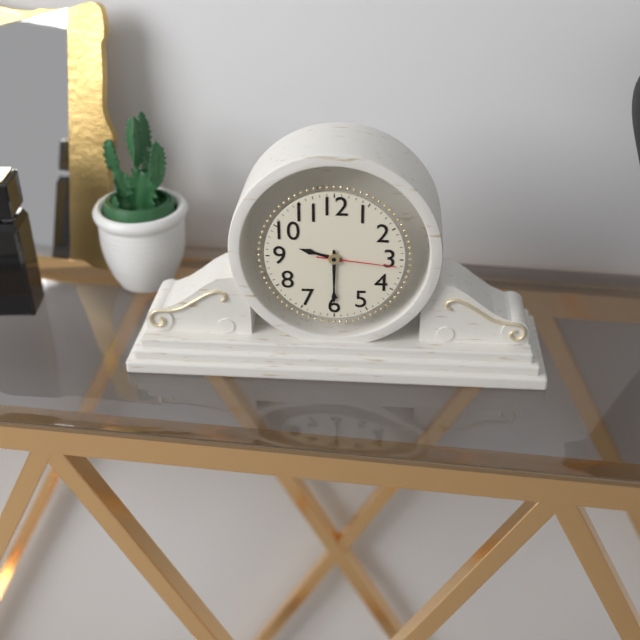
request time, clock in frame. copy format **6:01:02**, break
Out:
**9:30:16**
